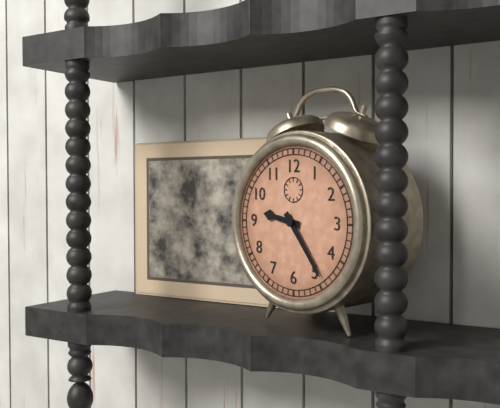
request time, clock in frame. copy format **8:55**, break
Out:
**9:24**
